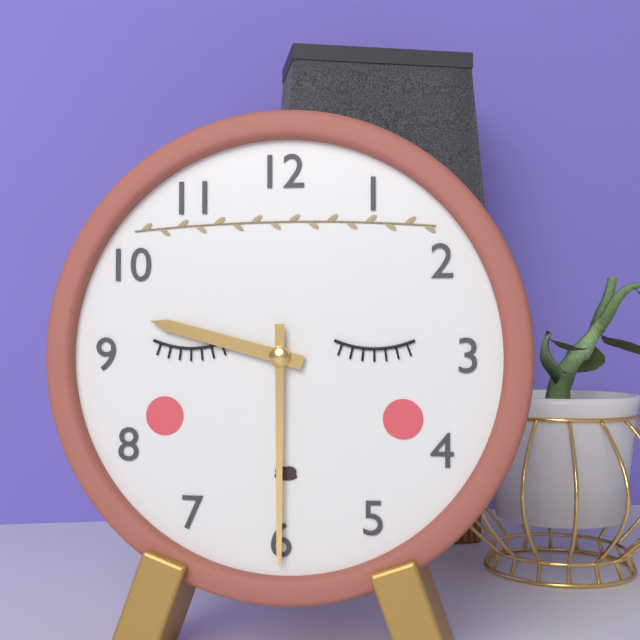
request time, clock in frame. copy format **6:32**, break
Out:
**9:30**
